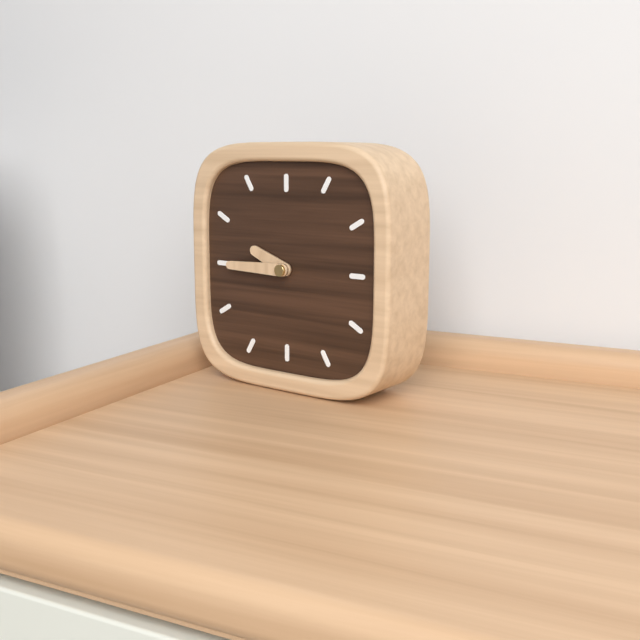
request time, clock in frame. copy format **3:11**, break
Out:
**9:45**
